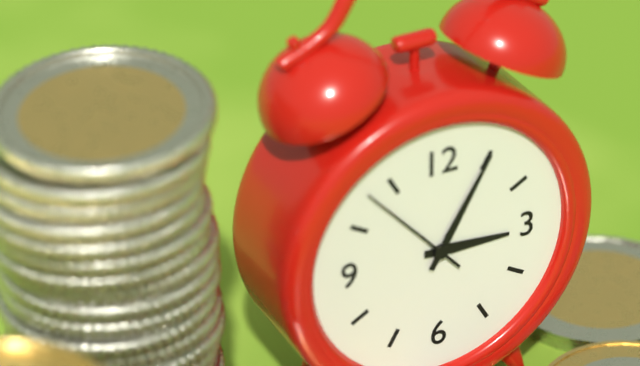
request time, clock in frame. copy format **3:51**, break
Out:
**3:05**
